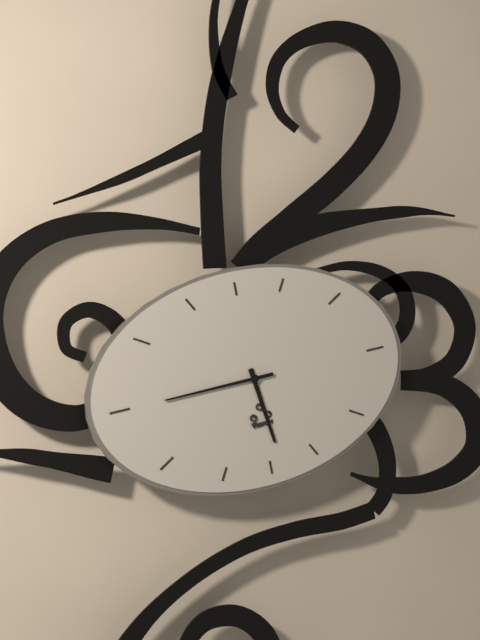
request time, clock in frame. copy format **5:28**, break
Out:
**5:45**
